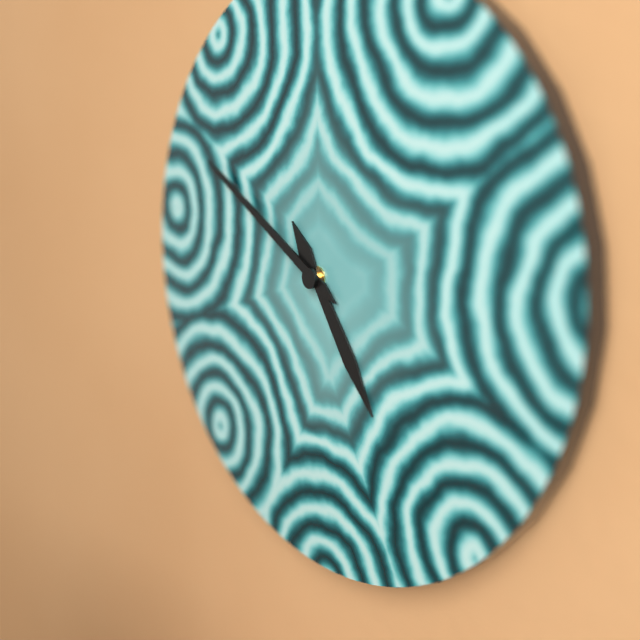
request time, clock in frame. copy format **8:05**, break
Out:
**4:50**
